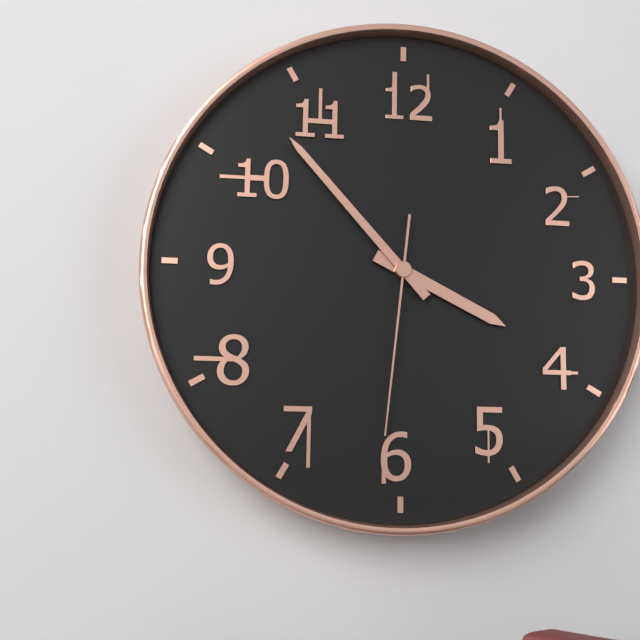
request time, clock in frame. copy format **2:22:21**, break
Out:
**3:53:31**
